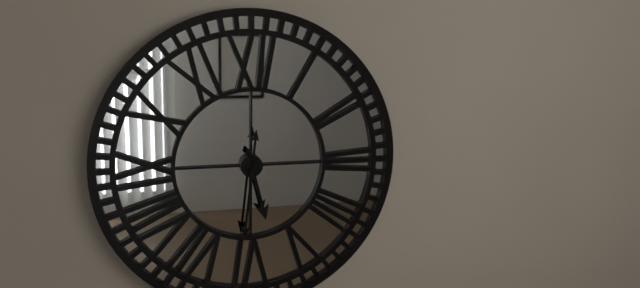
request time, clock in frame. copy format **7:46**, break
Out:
**5:31**
